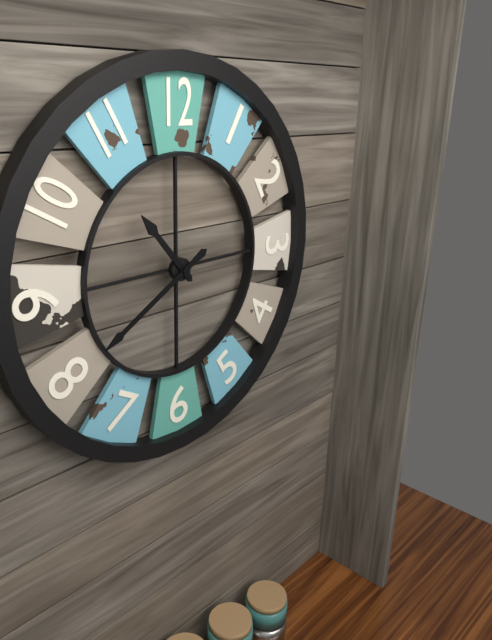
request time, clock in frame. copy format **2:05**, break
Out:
**10:40**
